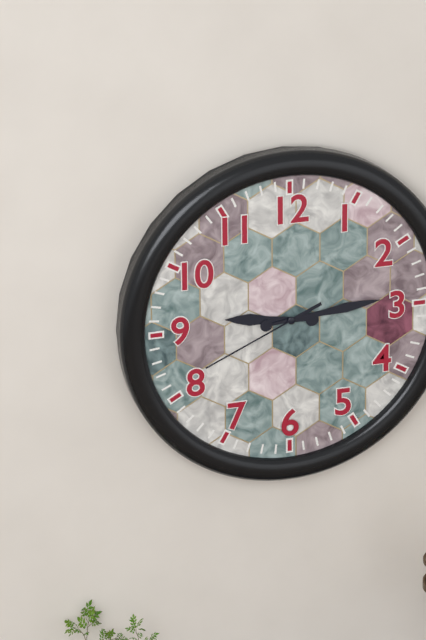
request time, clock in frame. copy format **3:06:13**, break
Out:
**9:14:41**
